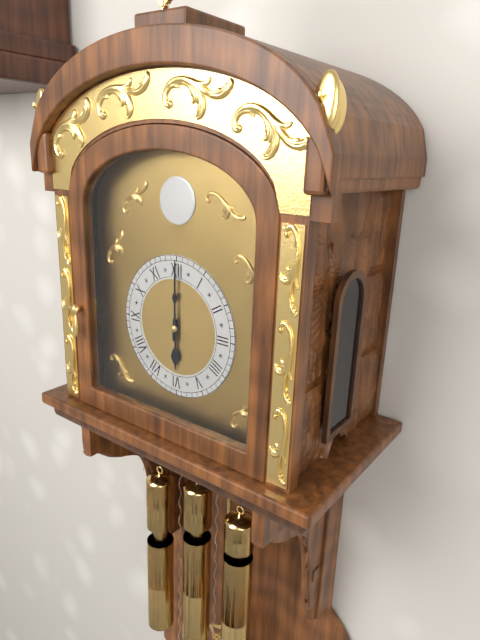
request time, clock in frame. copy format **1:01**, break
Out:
**6:00**
